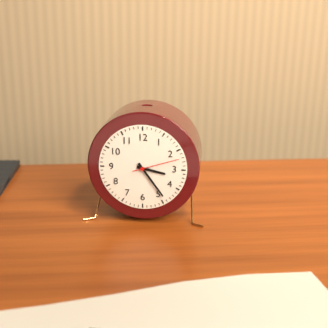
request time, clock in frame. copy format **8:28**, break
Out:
**3:24**
